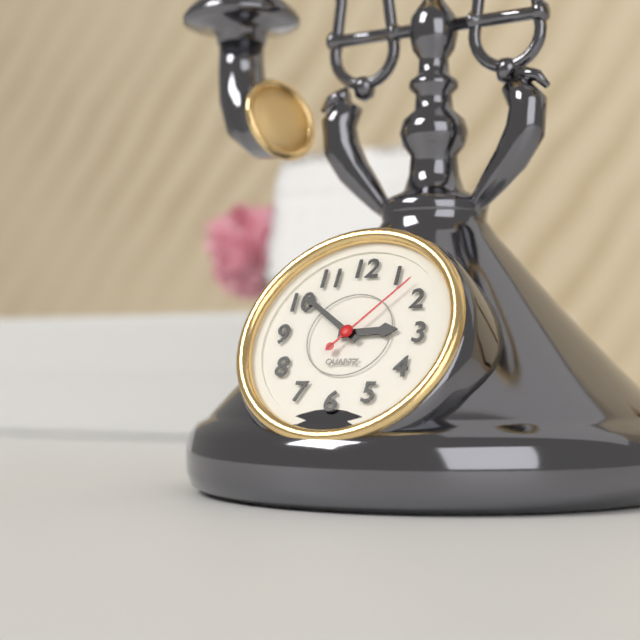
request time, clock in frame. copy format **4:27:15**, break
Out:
**2:51:07**
